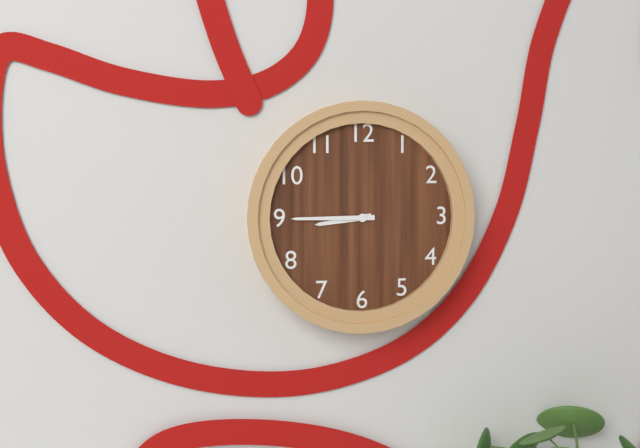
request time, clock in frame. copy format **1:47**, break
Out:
**8:45**
